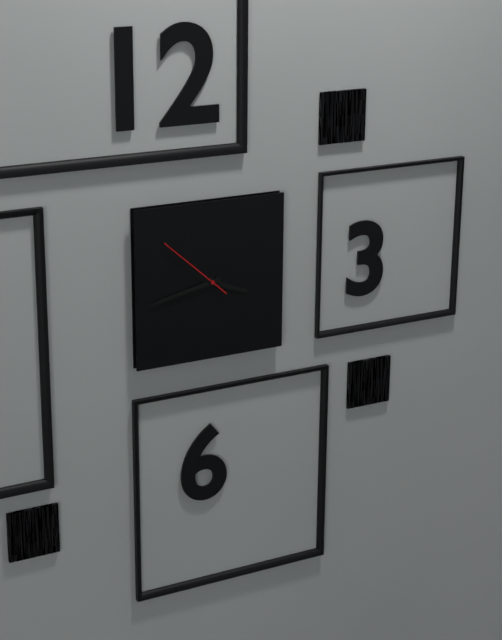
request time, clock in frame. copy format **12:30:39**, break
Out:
**3:43:52**
